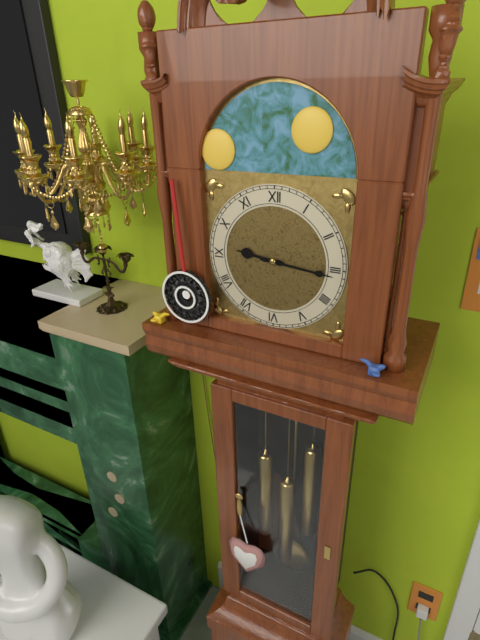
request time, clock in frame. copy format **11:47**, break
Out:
**9:16**
